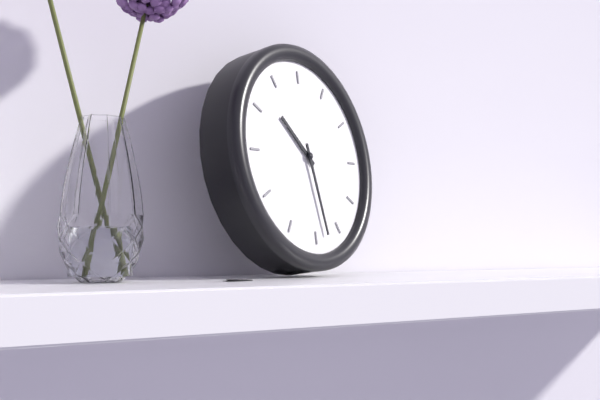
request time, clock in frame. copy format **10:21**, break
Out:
**10:28**
